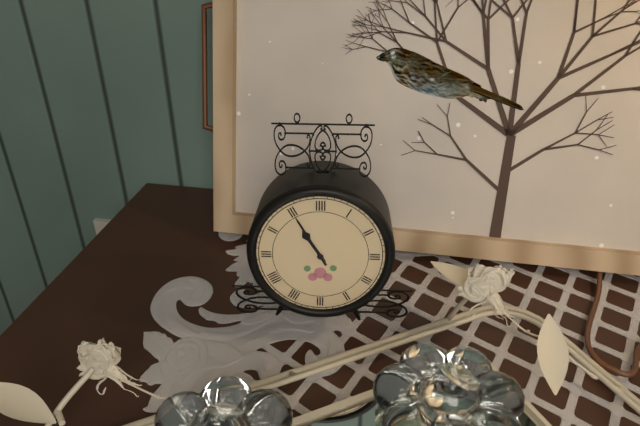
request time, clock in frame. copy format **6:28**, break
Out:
**10:55**
